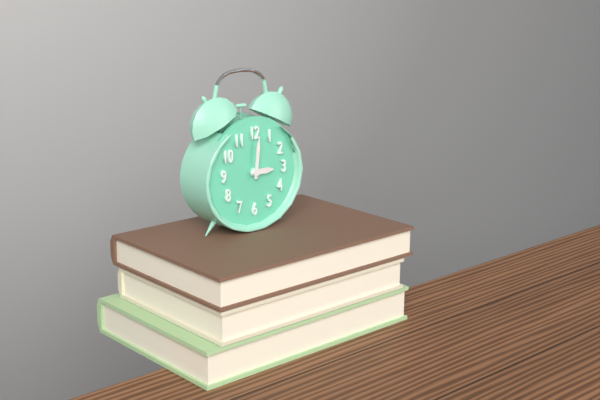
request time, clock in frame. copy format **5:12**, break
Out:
**3:01**
